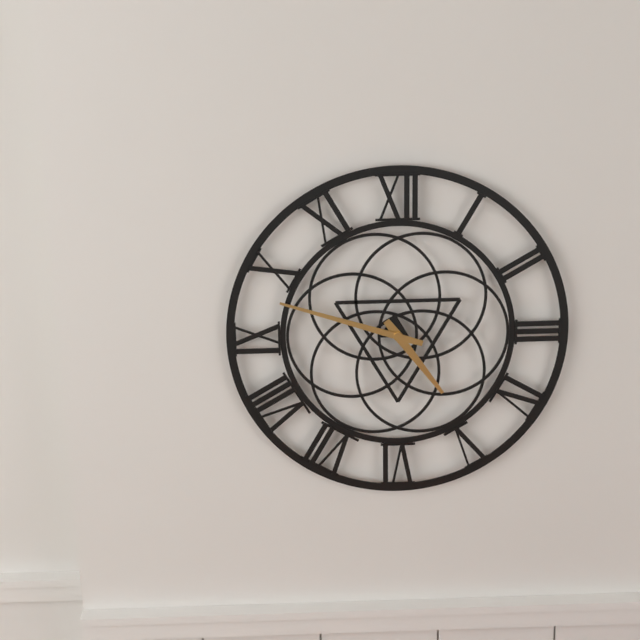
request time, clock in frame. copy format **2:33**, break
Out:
**4:48**
